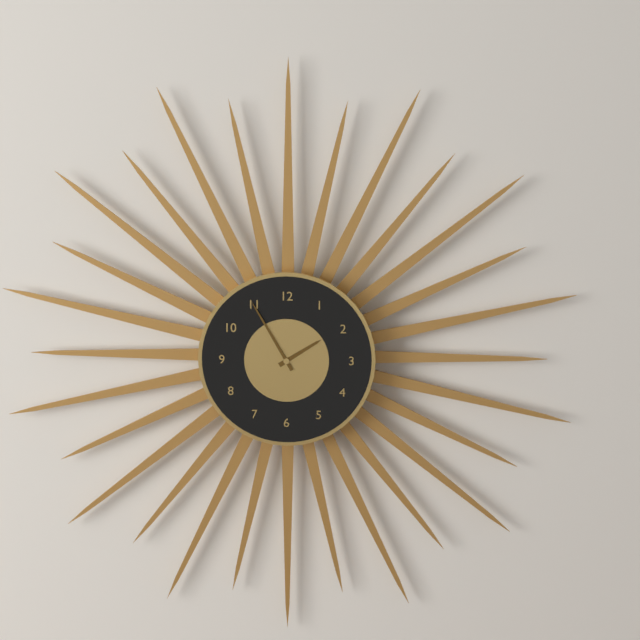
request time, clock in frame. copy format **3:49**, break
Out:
**1:55**
